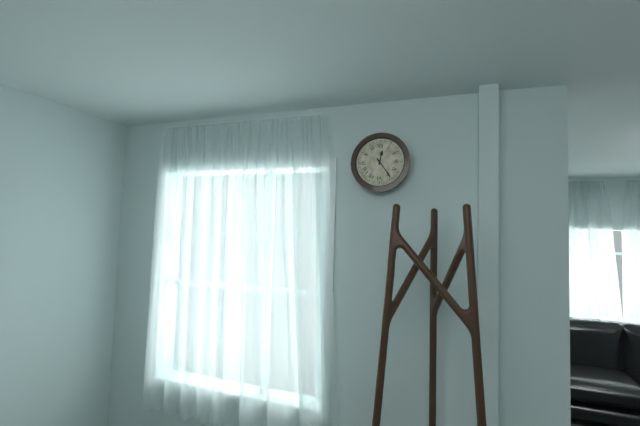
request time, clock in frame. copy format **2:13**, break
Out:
**12:24**
